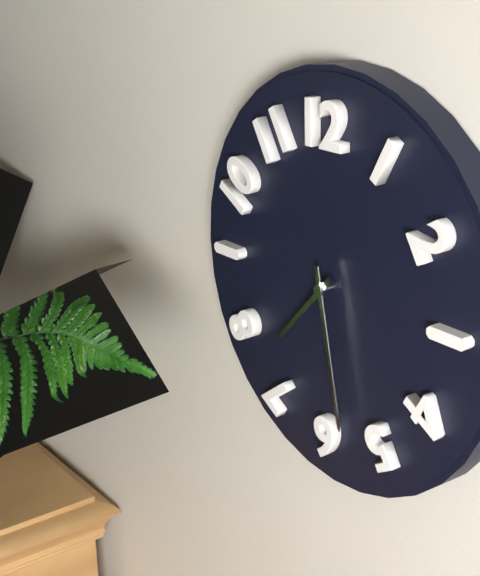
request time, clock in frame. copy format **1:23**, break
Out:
**7:28**
